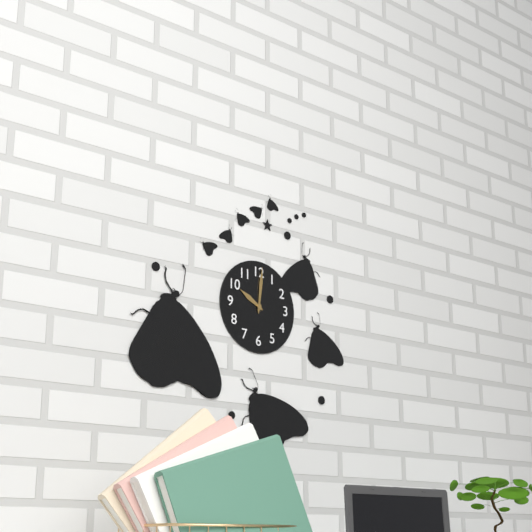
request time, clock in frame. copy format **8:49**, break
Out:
**10:01**
